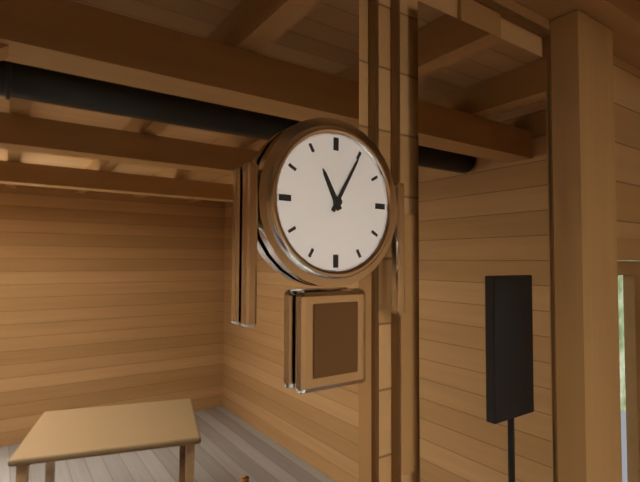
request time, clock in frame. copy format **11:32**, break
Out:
**11:05**
